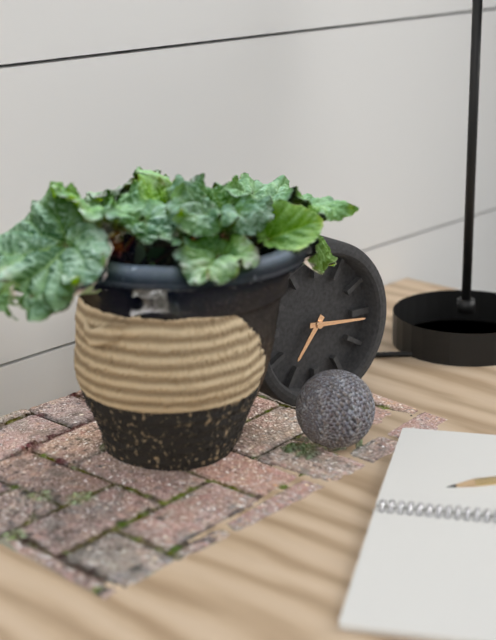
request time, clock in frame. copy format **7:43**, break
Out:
**7:16**
